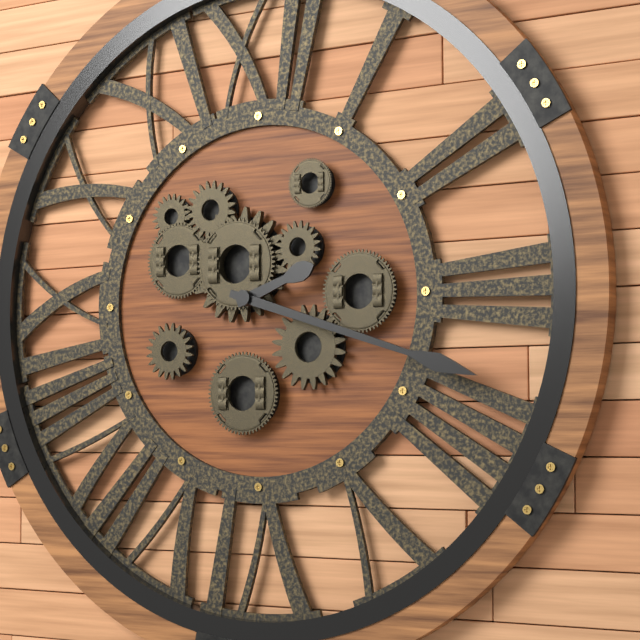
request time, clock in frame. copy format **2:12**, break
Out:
**2:18**
